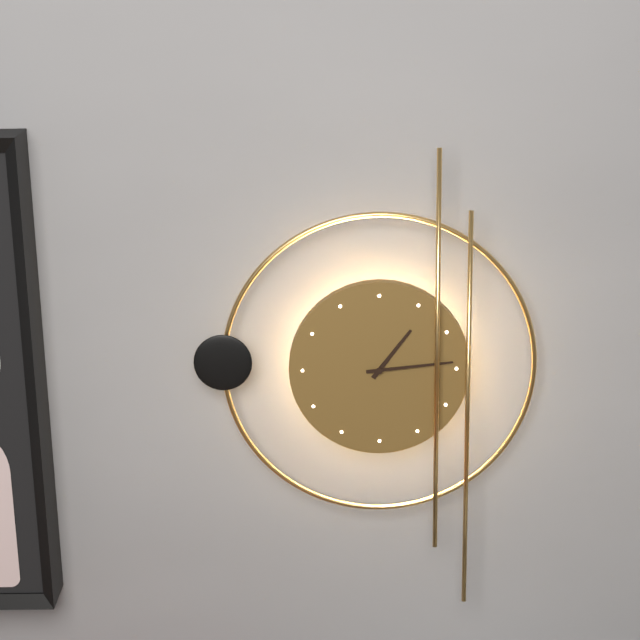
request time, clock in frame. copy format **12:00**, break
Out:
**1:14**
